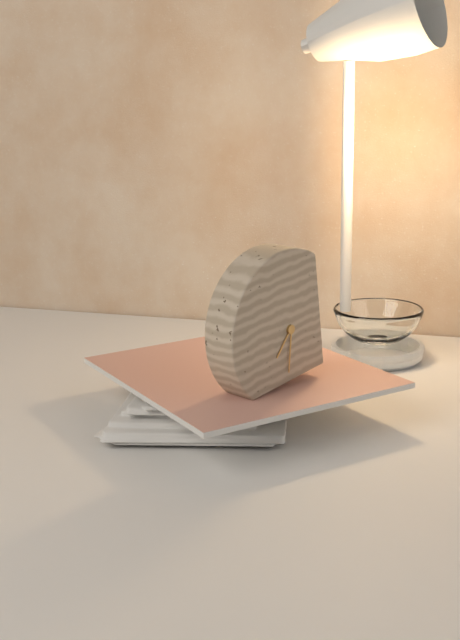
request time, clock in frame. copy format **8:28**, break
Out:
**7:32**
